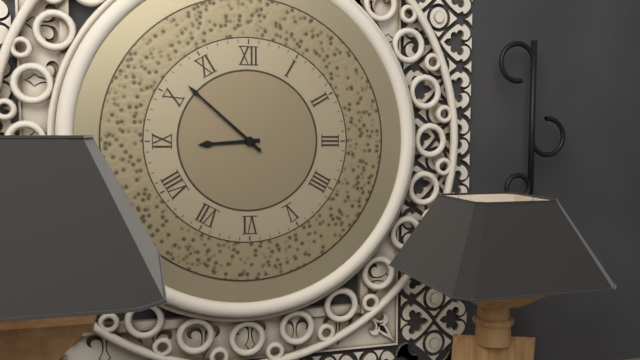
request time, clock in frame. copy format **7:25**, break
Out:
**8:52**
